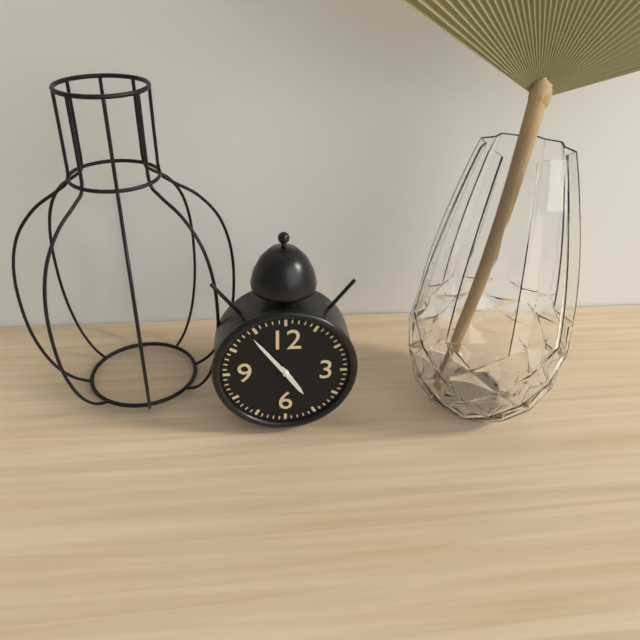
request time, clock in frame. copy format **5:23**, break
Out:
**4:54**
